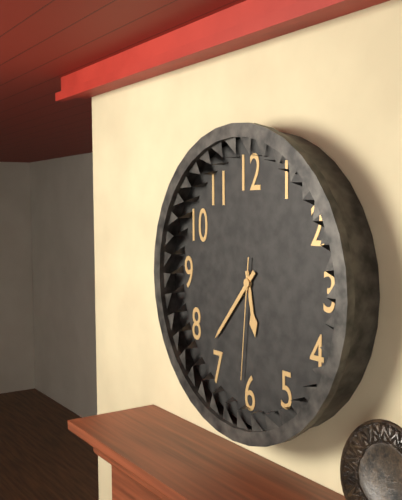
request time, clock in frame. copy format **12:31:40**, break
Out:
**5:37:31**
